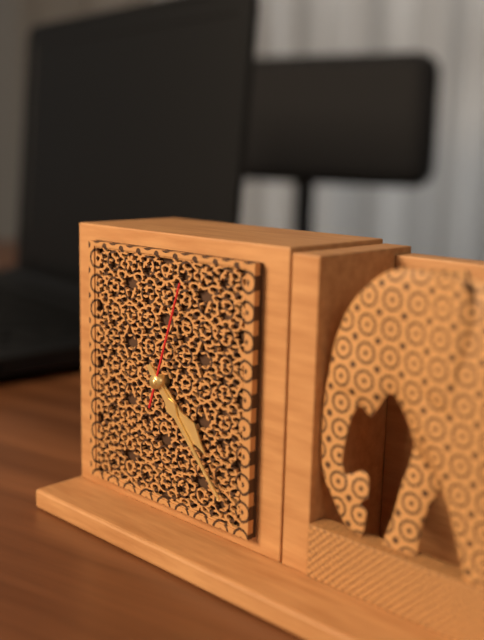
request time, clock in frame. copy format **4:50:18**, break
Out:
**4:23:03**
